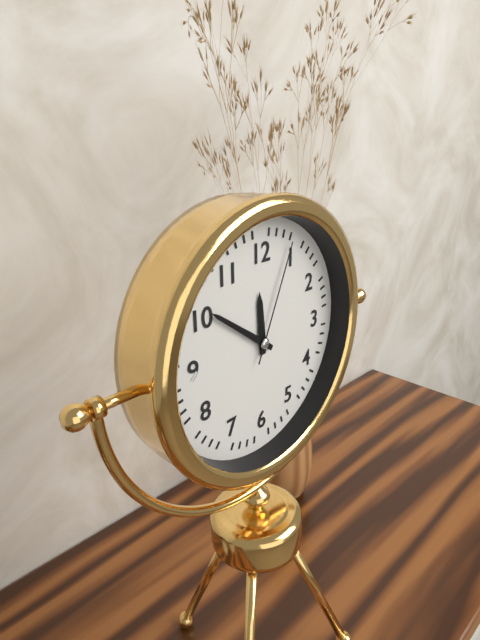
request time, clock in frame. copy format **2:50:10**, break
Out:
**11:51:04**
